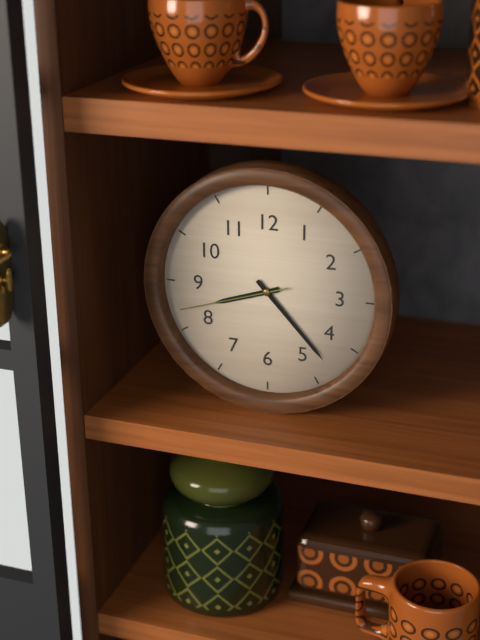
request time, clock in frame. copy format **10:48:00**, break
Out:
**8:23:42**
